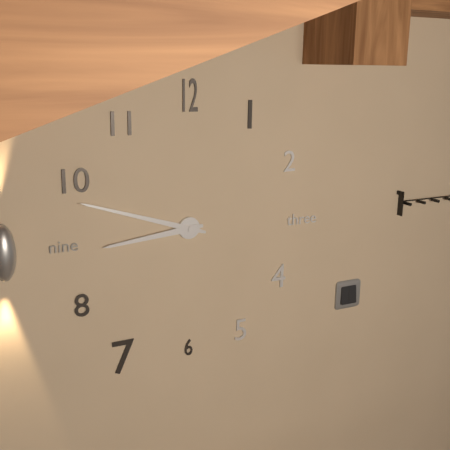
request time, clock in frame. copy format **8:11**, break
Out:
**8:48**
